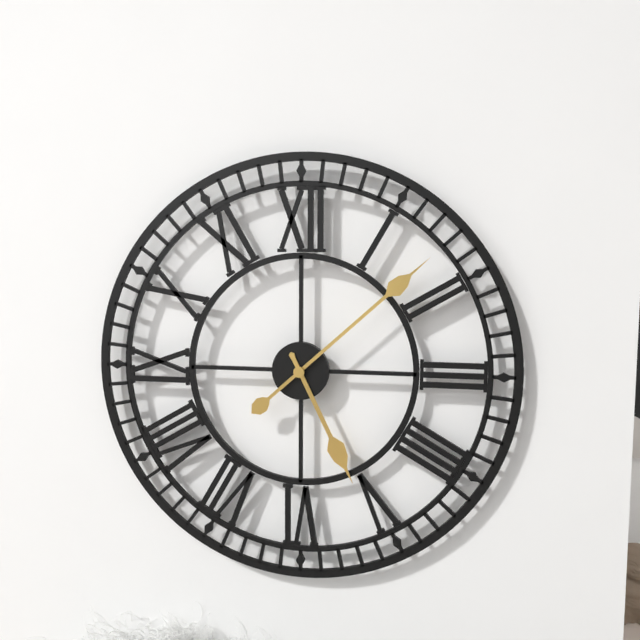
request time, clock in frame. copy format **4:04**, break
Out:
**5:08**
